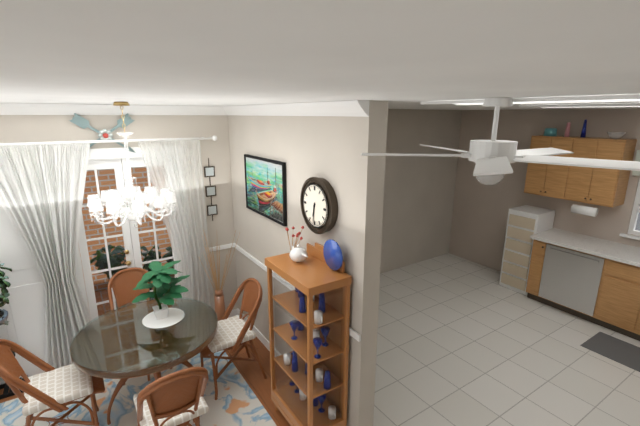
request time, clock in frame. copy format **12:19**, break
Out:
**6:31**
